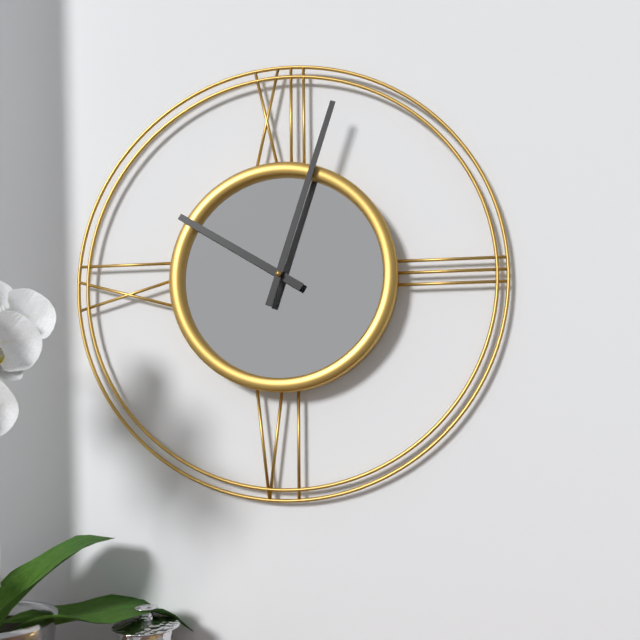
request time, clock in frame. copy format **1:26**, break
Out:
**10:03**
